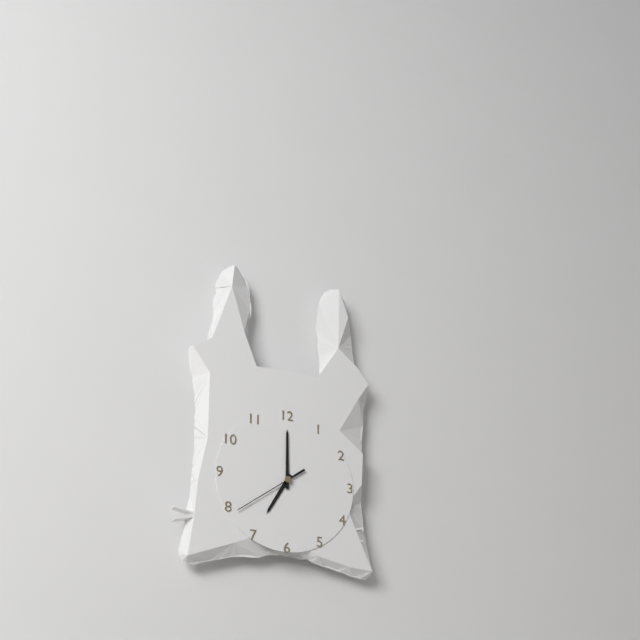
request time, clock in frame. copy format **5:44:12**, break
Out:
**7:00:39**
